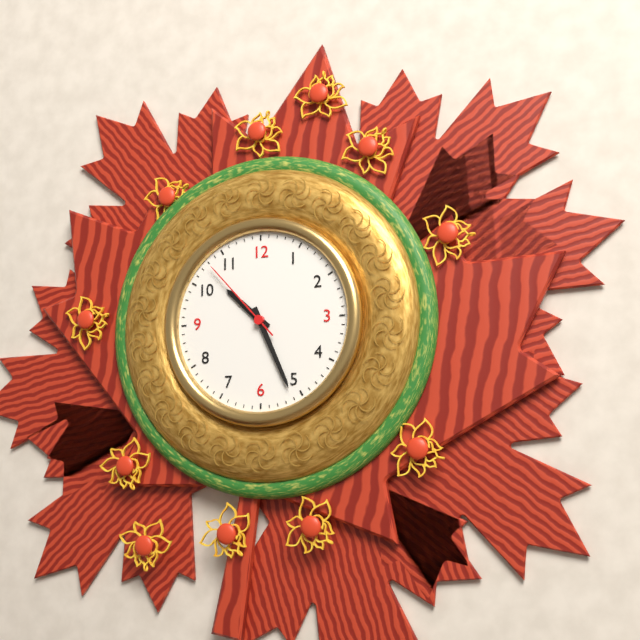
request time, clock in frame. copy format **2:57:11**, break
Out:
**10:26:53**
